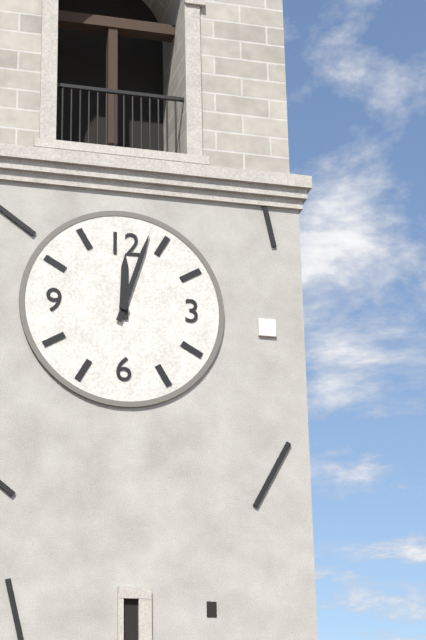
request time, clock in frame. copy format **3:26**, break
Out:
**12:03**
